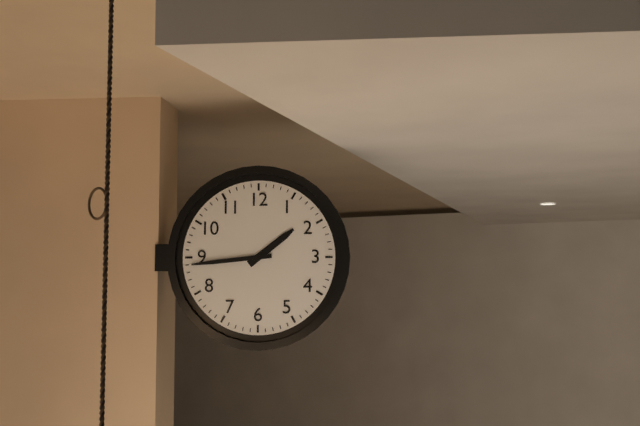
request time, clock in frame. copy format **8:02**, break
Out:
**1:44**
